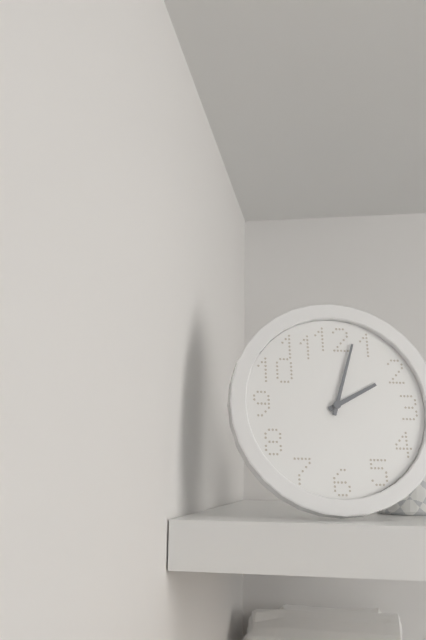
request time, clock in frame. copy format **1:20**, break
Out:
**2:03**
